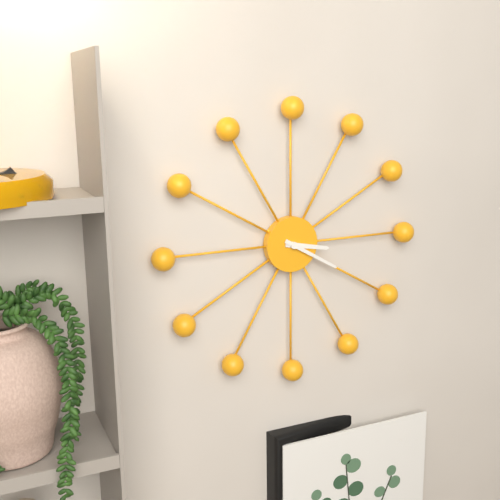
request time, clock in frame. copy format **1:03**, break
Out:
**3:20**
